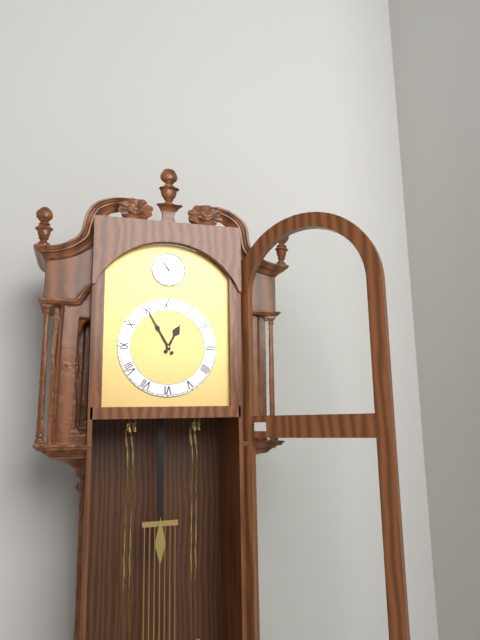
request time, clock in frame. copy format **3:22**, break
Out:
**12:55**
